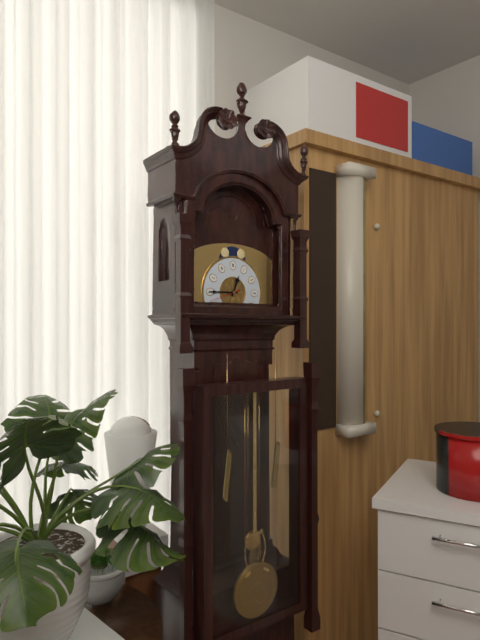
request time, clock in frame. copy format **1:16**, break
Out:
**12:45**
